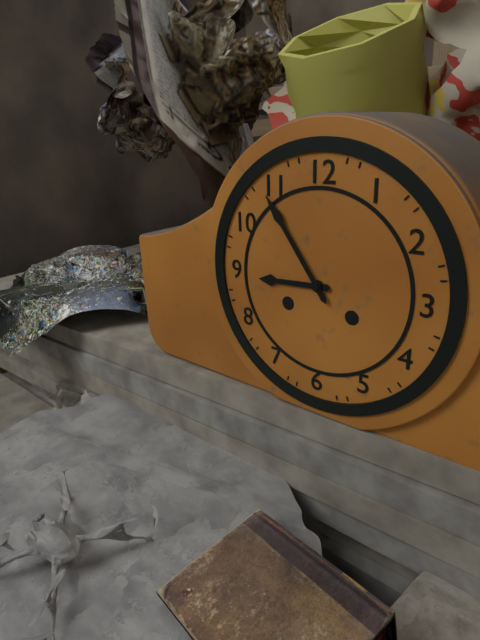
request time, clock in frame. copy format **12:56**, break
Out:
**8:54**
